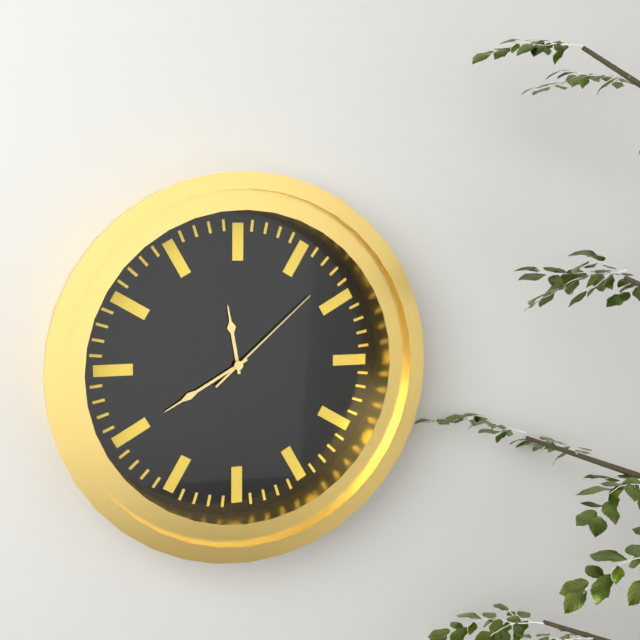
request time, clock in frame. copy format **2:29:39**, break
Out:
**11:40:08**
